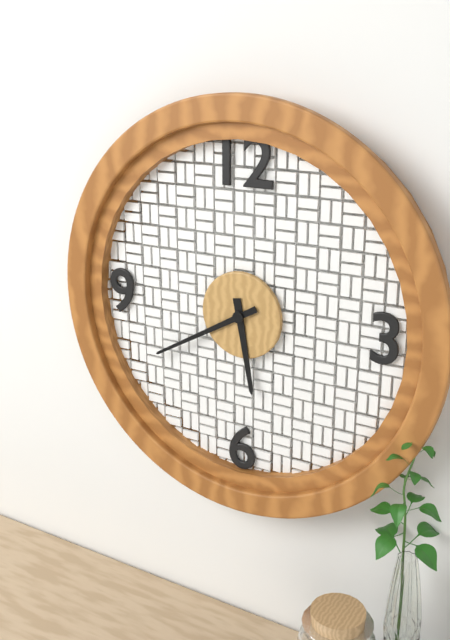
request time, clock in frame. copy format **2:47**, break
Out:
**5:40**
